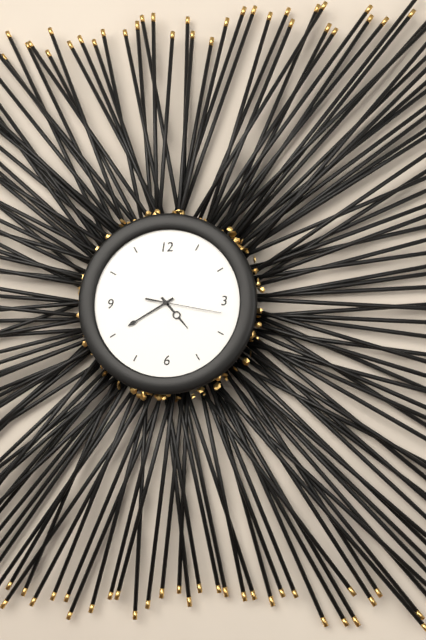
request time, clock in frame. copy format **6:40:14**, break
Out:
**4:40:17**
